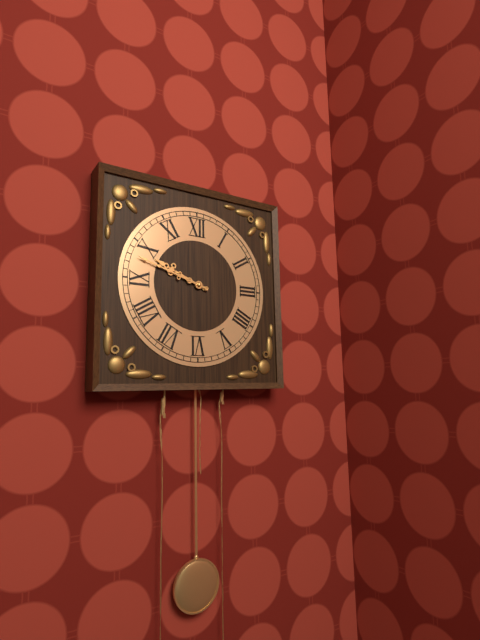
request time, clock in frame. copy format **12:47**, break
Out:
**9:48**
